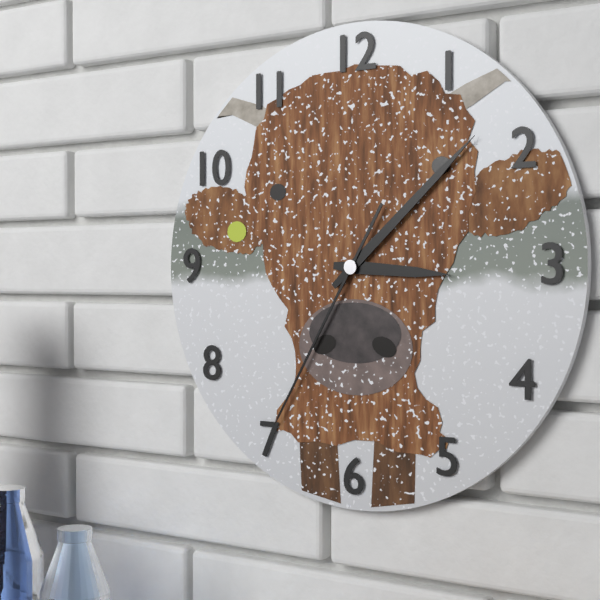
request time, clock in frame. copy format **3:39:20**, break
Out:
**3:08:35**
